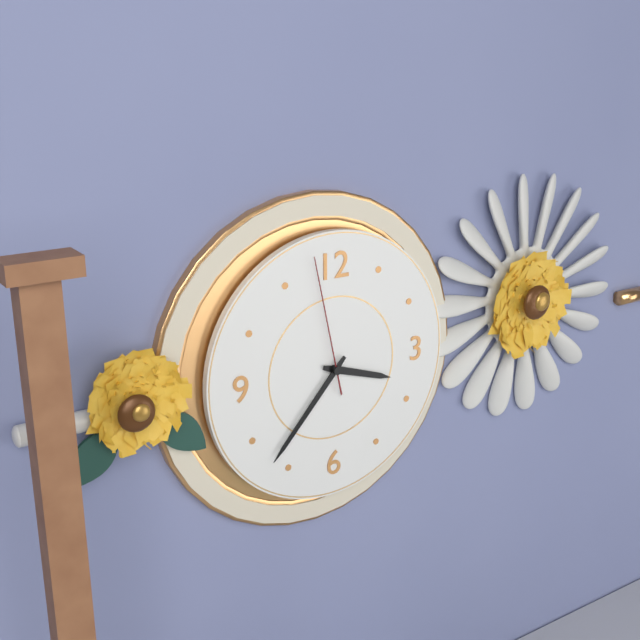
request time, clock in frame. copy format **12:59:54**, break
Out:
**3:37:58**
